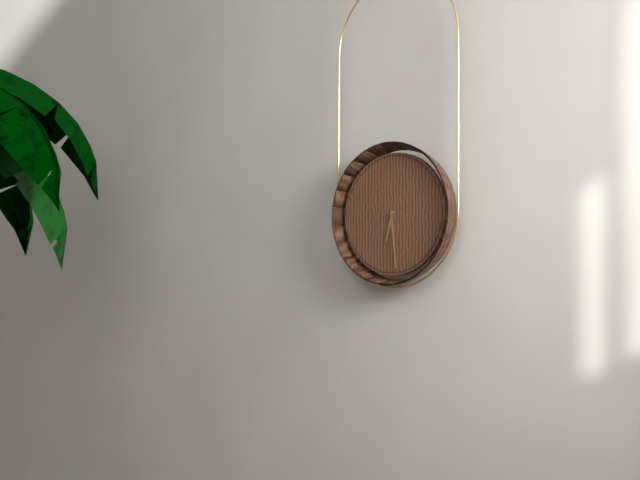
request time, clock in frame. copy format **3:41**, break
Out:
**6:29**
